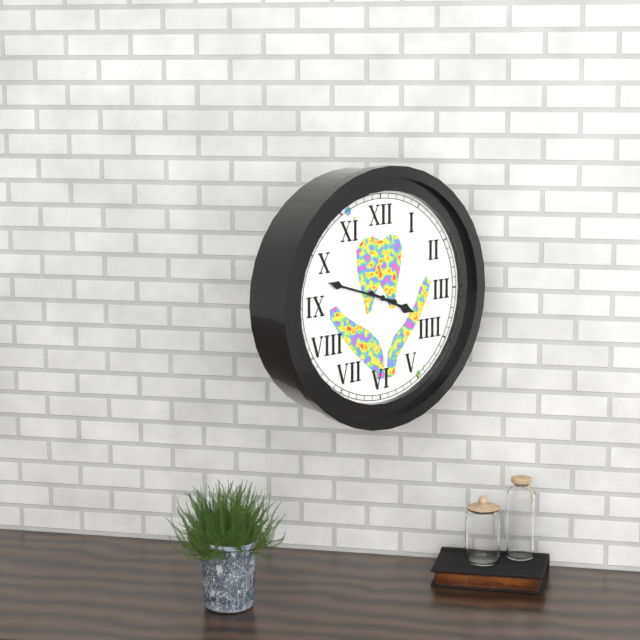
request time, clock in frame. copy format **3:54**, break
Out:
**3:48**
